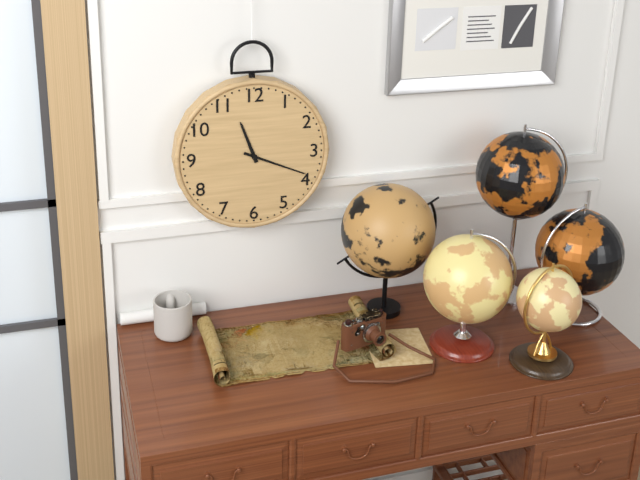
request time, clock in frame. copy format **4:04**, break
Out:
**11:19**
